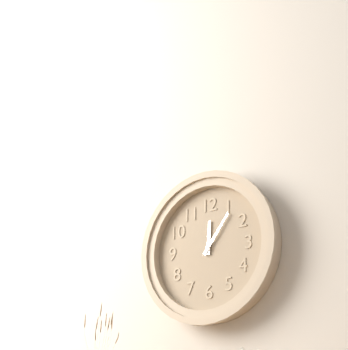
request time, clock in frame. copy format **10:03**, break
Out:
**12:06**
